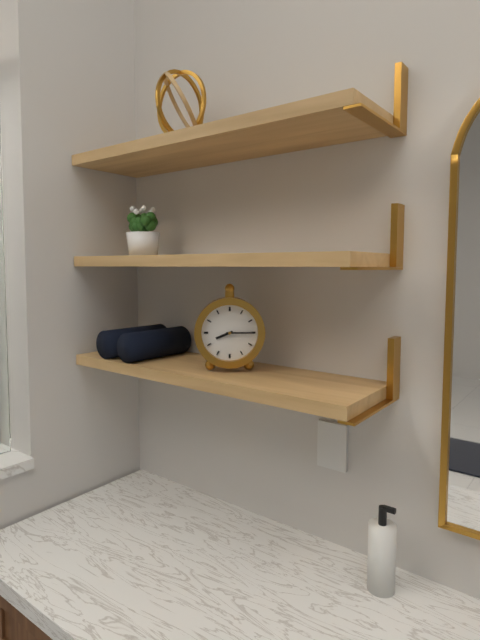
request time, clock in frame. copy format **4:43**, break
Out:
**8:15**
